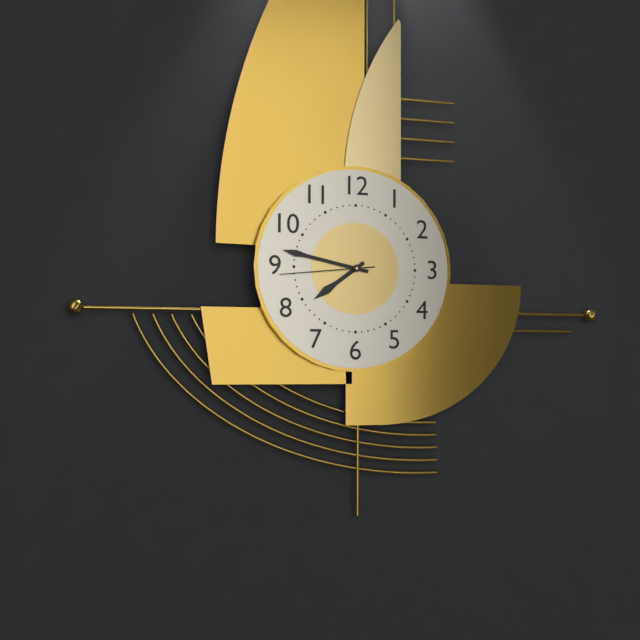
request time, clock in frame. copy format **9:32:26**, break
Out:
**7:47:44**
